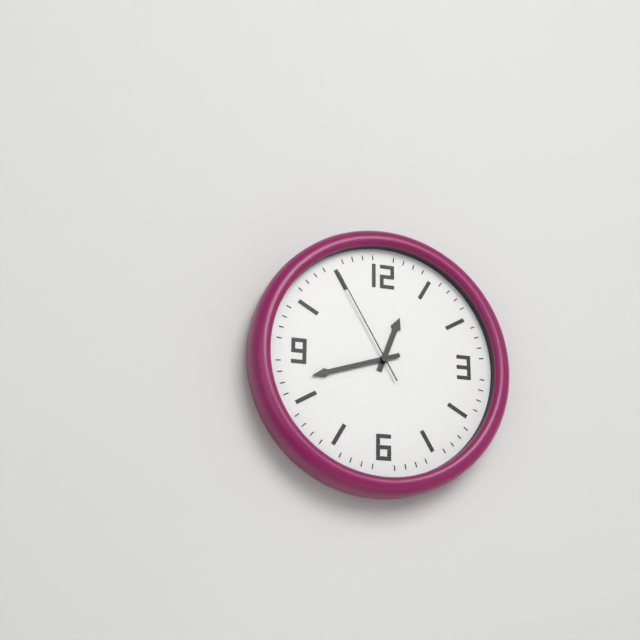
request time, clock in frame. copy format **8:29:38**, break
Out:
**12:42:55**
